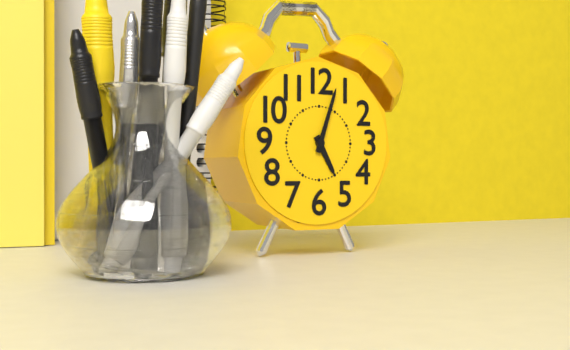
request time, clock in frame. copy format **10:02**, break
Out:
**5:03**
